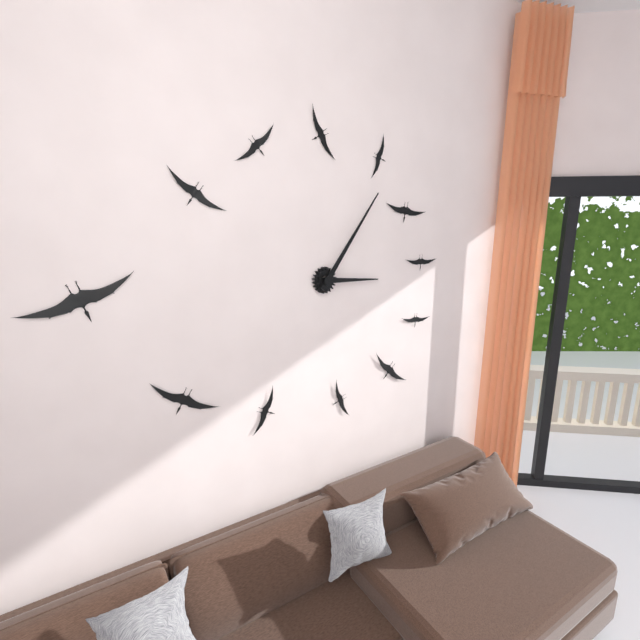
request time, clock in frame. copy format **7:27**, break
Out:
**3:06**
